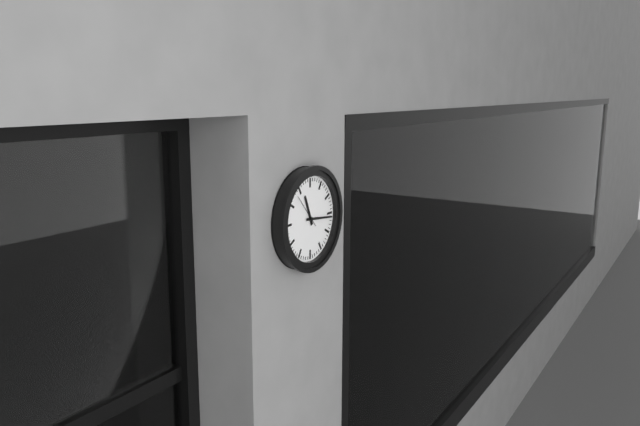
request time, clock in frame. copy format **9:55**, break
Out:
**11:16**
